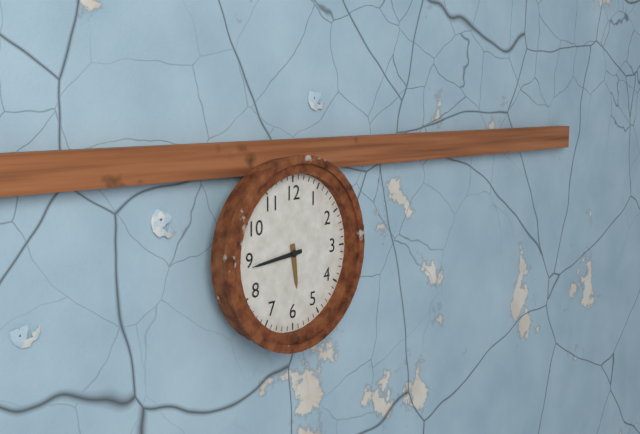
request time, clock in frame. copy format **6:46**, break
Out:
**5:44**
